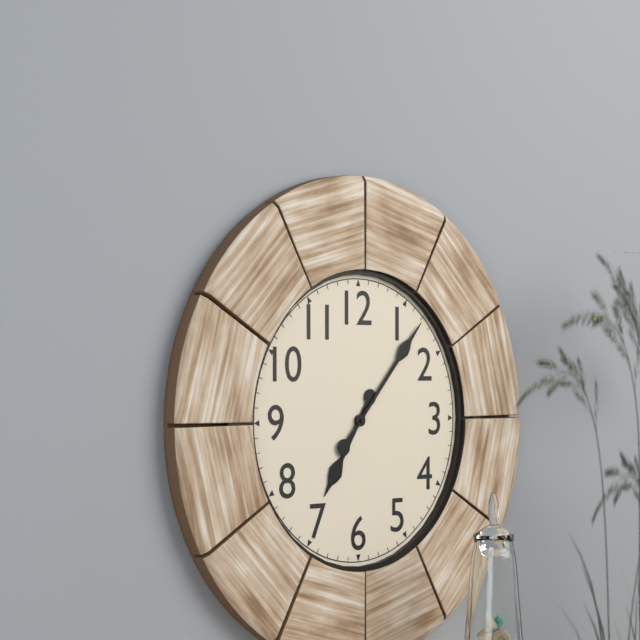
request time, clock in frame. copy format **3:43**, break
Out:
**7:07**
